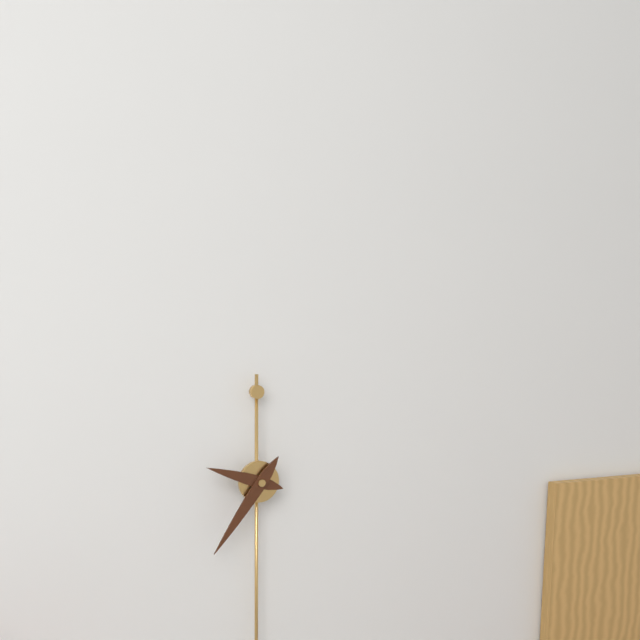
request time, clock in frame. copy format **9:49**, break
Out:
**9:36**
